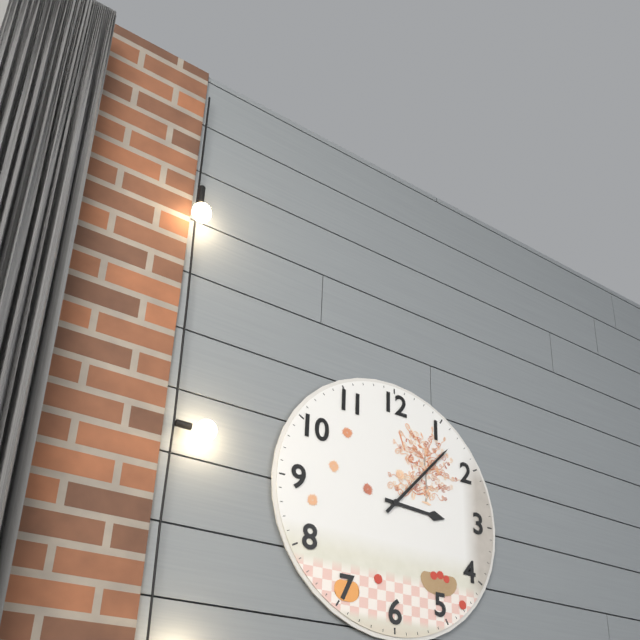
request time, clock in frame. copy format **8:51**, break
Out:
**3:07**
